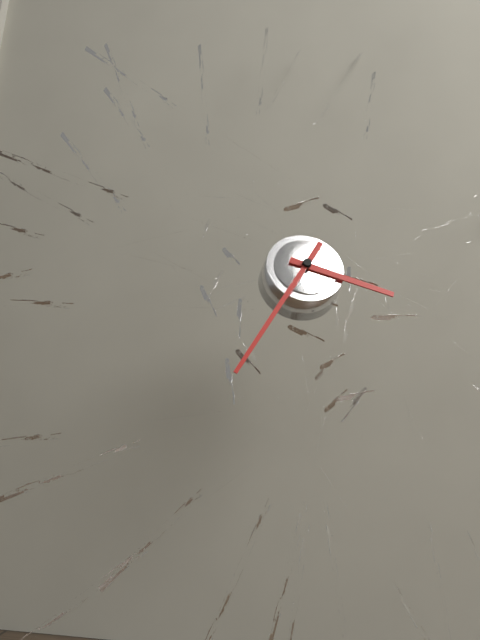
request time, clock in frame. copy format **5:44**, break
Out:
**3:35**
